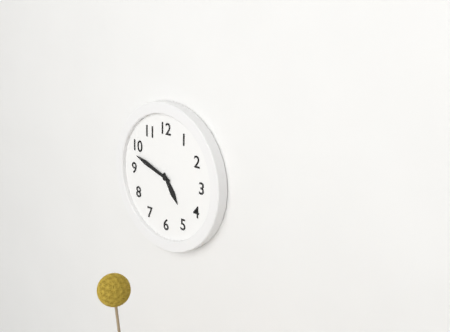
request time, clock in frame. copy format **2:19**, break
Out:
**4:48**
